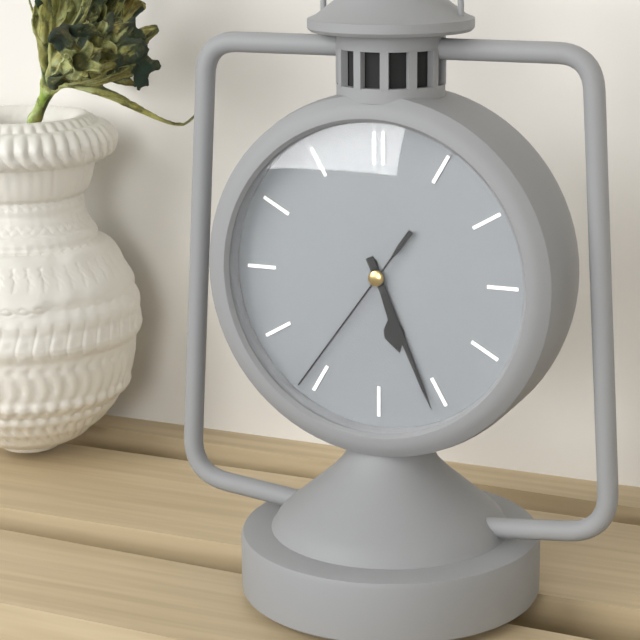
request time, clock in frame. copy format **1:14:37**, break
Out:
**5:26:36**
